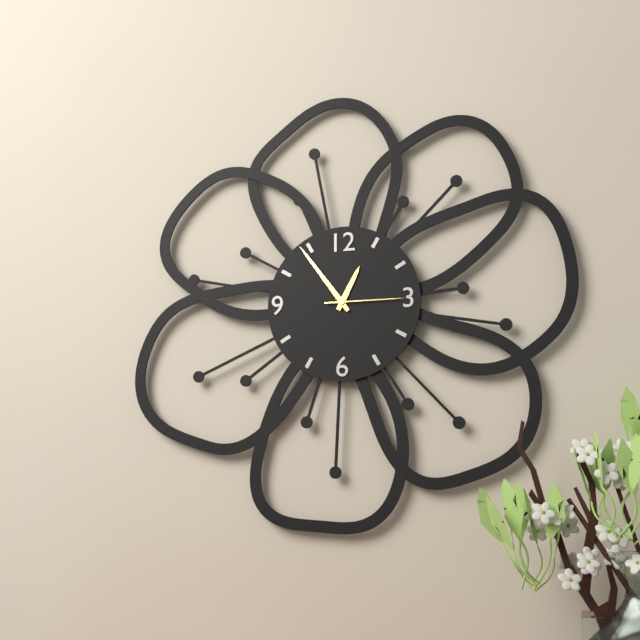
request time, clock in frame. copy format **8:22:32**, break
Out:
**12:54:15**
